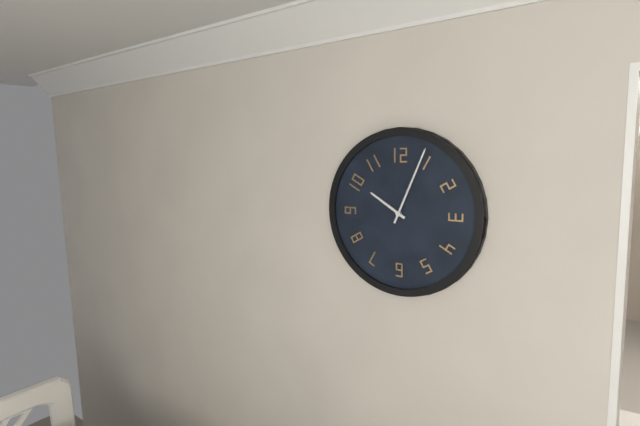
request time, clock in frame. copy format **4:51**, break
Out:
**10:04**
